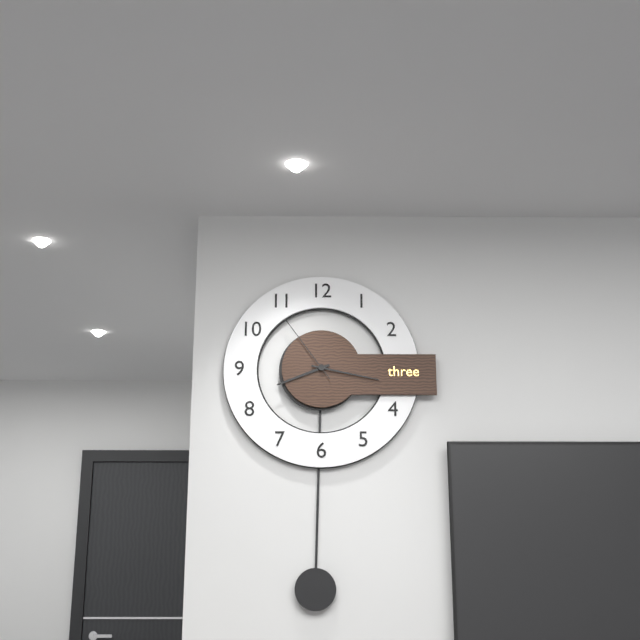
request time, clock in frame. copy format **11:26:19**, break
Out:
**8:17:54**
